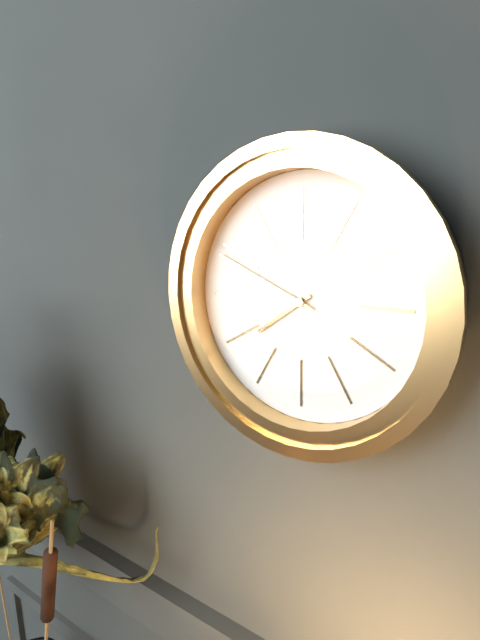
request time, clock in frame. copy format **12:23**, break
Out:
**7:49**
